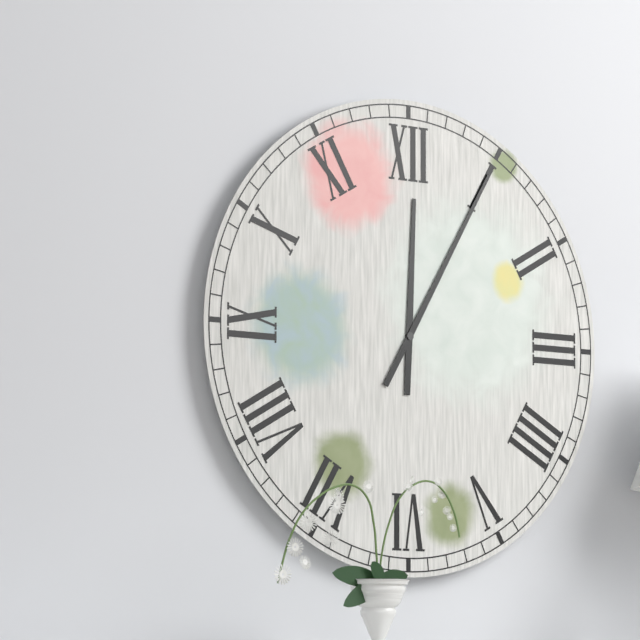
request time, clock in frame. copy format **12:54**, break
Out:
**12:05**
